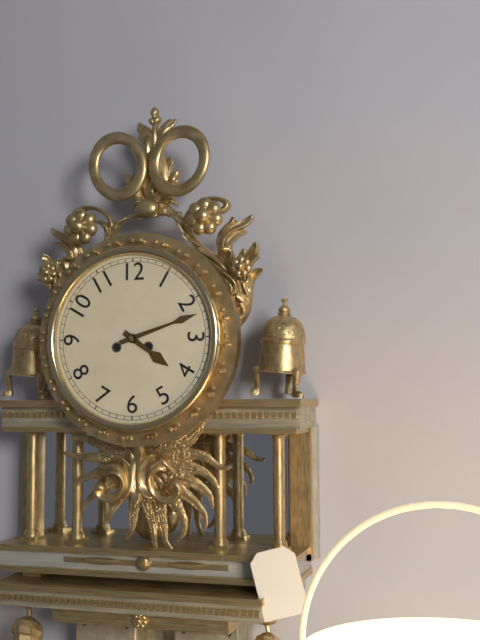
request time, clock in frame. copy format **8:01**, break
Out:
**4:12**
